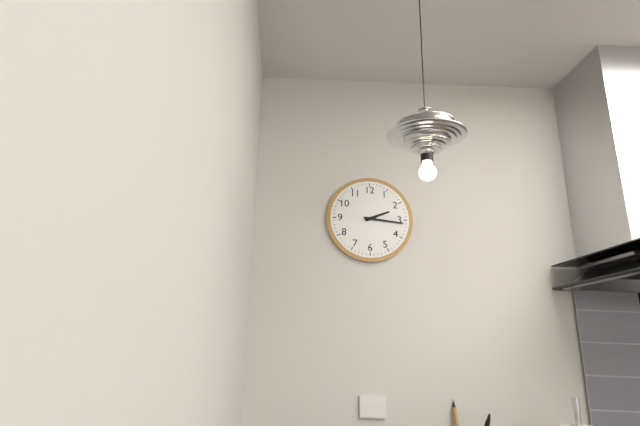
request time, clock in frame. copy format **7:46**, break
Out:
**2:16**
